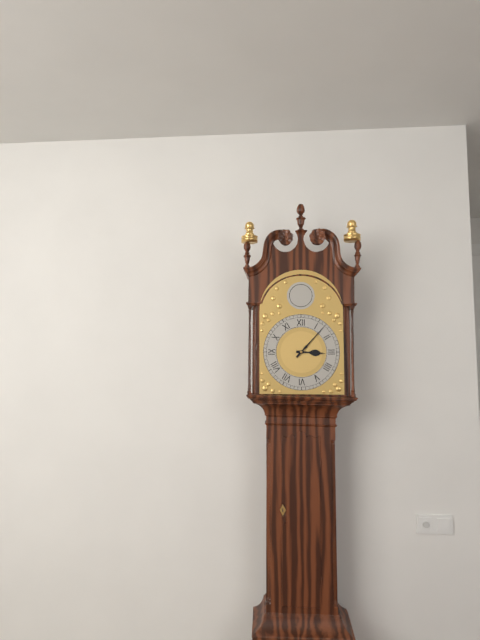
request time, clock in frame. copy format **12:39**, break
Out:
**3:07**
